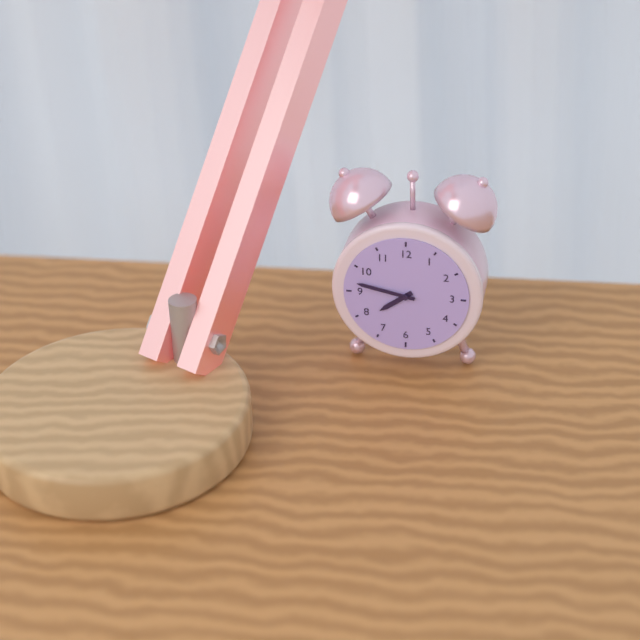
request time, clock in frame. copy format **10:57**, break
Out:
**7:47**
